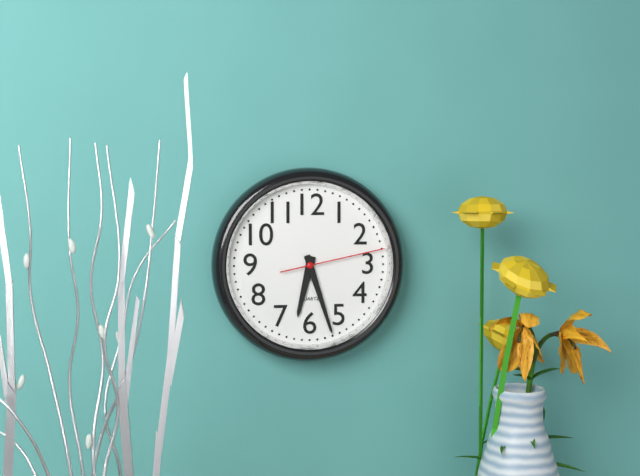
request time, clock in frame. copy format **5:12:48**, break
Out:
**6:27:13**
